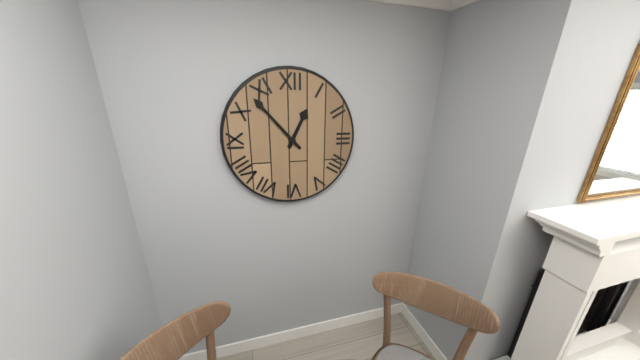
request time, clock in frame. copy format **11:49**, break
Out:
**12:53**
